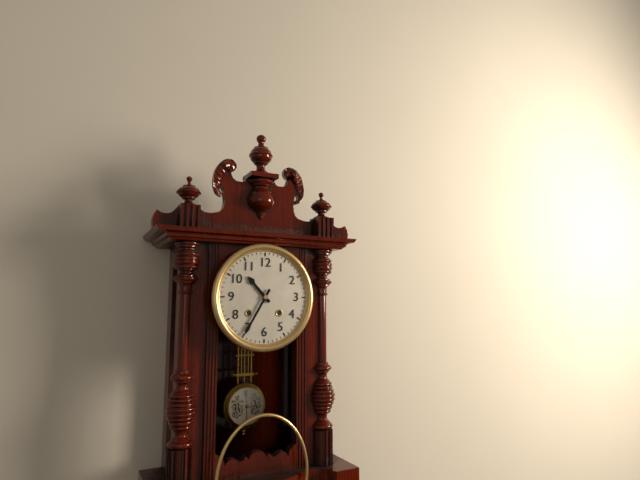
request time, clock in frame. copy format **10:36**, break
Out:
**10:35**
